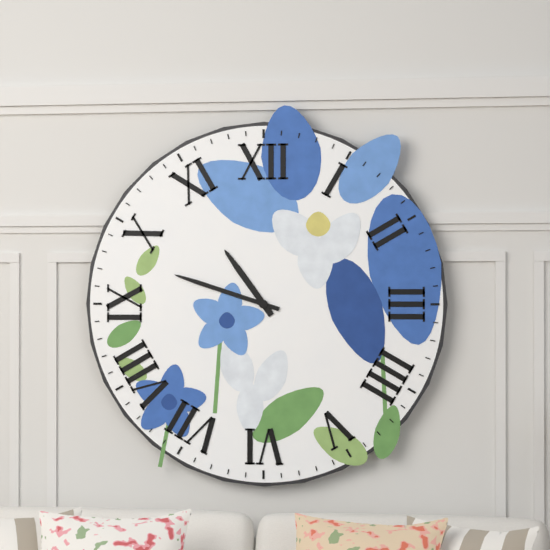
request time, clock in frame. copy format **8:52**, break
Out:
**10:48**
